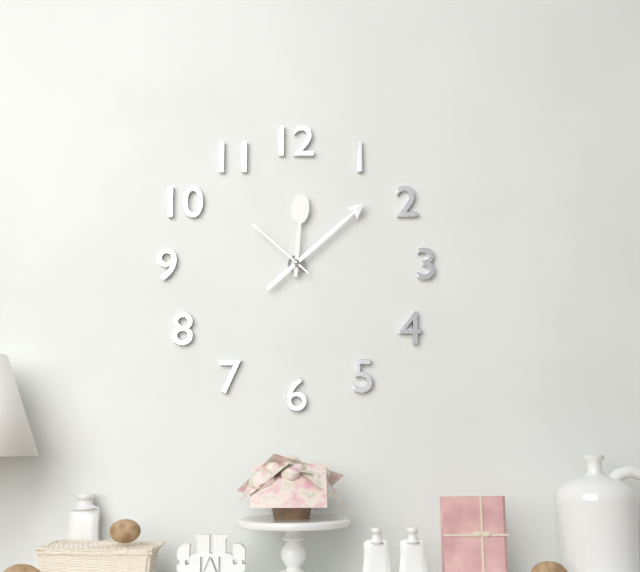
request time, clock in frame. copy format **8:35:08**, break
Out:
**12:08:52**
